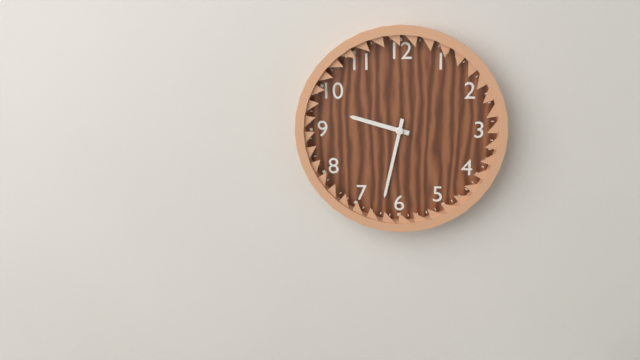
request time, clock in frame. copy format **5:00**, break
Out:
**9:32**
